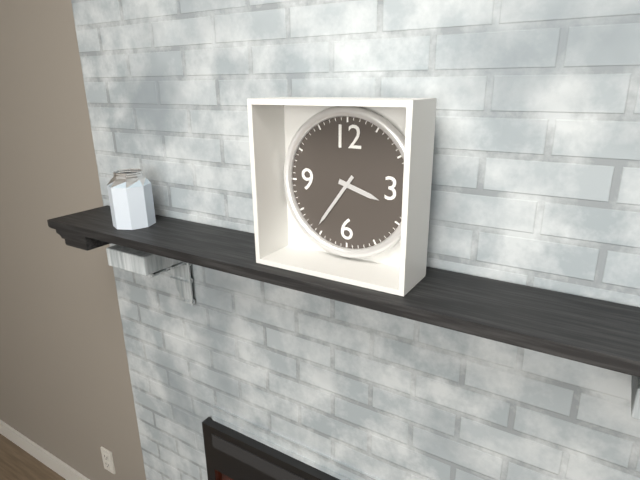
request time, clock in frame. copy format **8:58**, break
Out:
**3:36**
